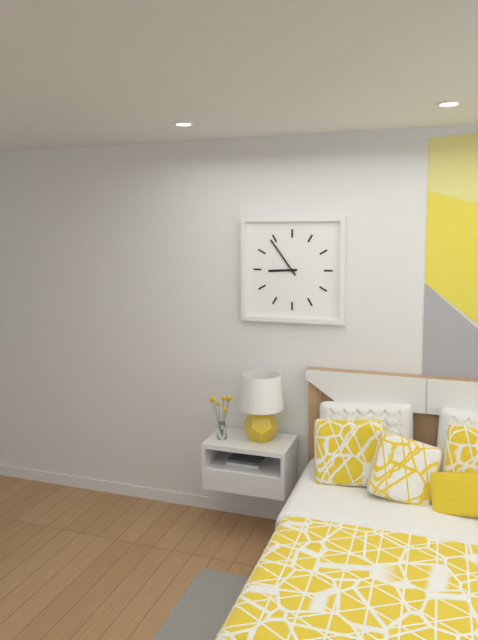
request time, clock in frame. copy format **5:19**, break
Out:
**8:54**
